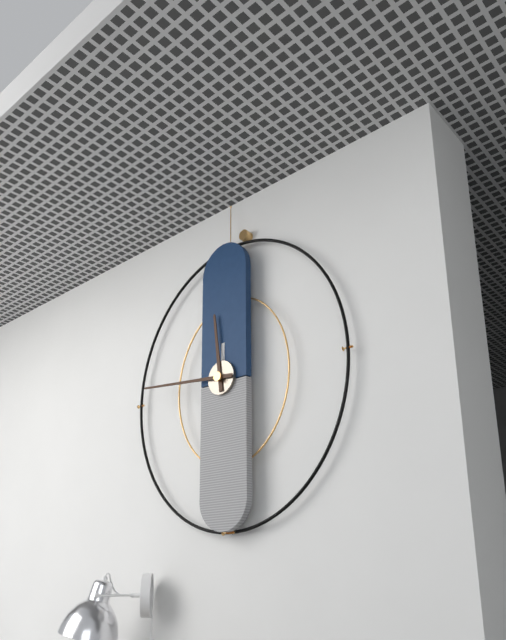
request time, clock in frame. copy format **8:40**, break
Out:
**11:46**
